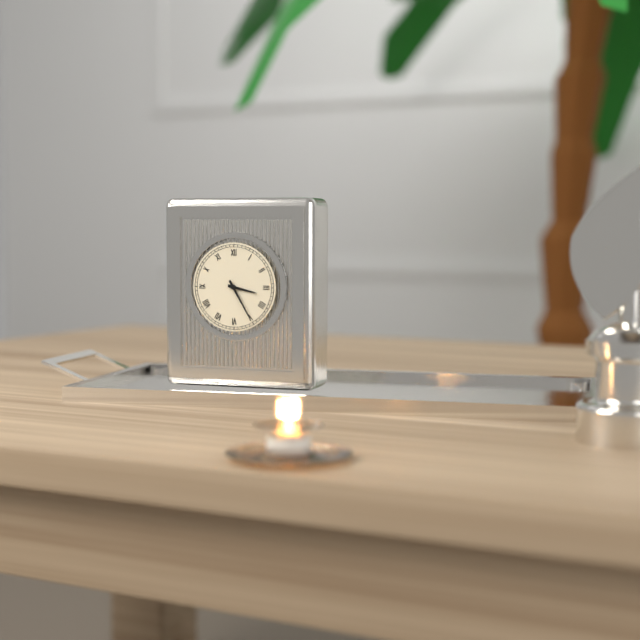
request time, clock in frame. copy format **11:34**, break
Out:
**3:25**
